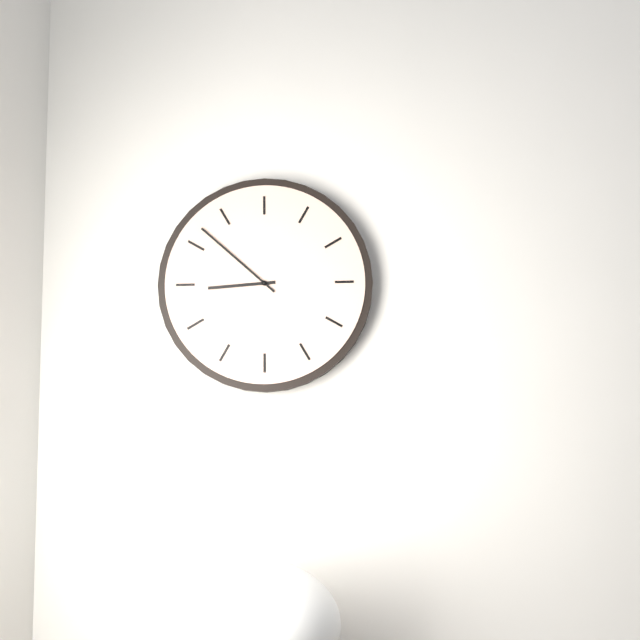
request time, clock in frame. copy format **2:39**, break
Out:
**8:52**
